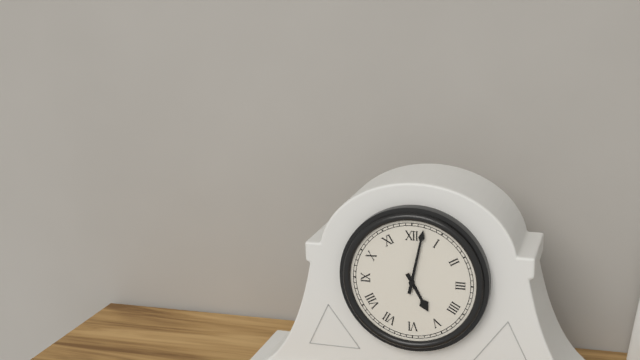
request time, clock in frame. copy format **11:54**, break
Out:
**5:02**
